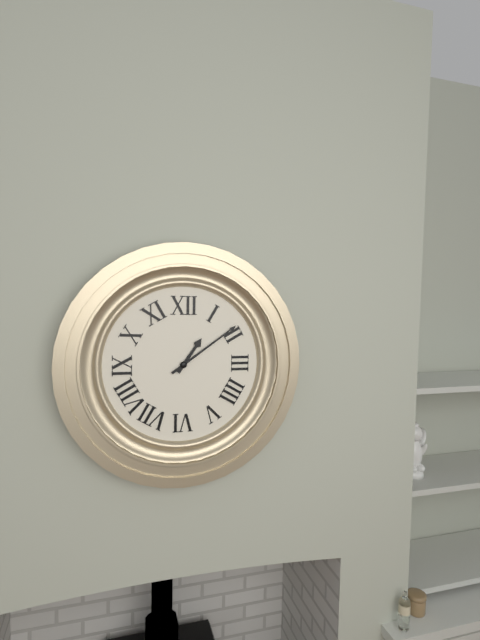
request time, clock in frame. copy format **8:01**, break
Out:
**1:09**
